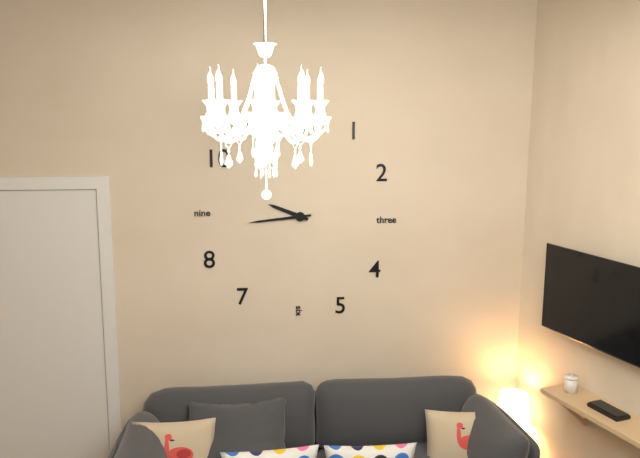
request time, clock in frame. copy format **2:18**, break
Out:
**9:44**
